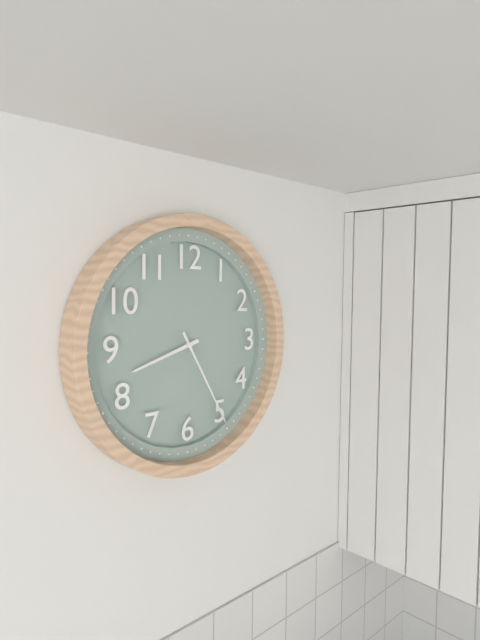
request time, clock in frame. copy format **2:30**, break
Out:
**8:25**
